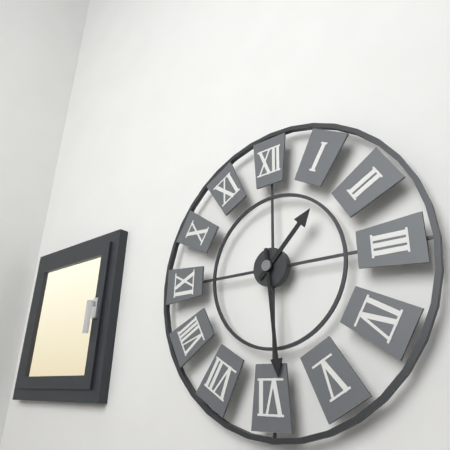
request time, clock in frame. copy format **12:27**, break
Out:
**1:29**
